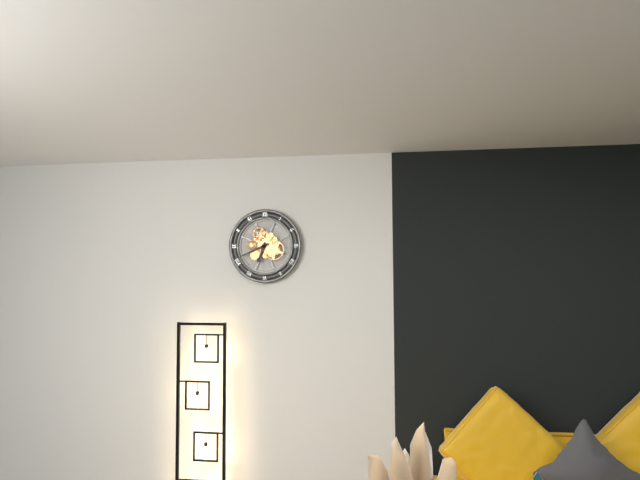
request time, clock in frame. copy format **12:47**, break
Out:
**6:41**
